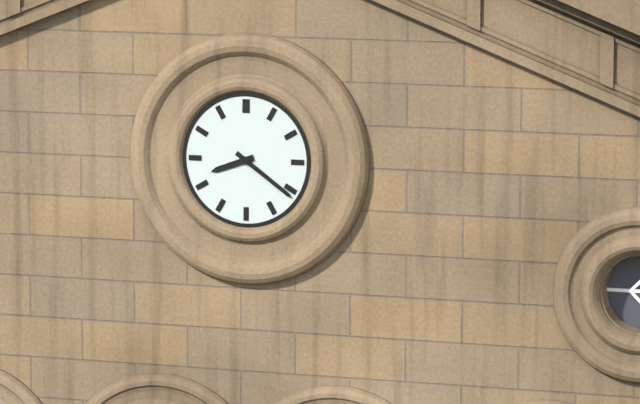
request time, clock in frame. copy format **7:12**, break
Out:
**8:21**
